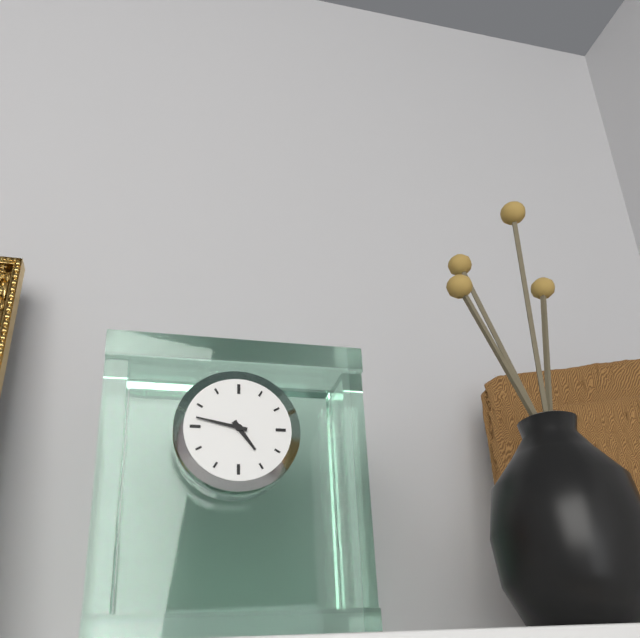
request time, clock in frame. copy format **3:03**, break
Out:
**4:47**
